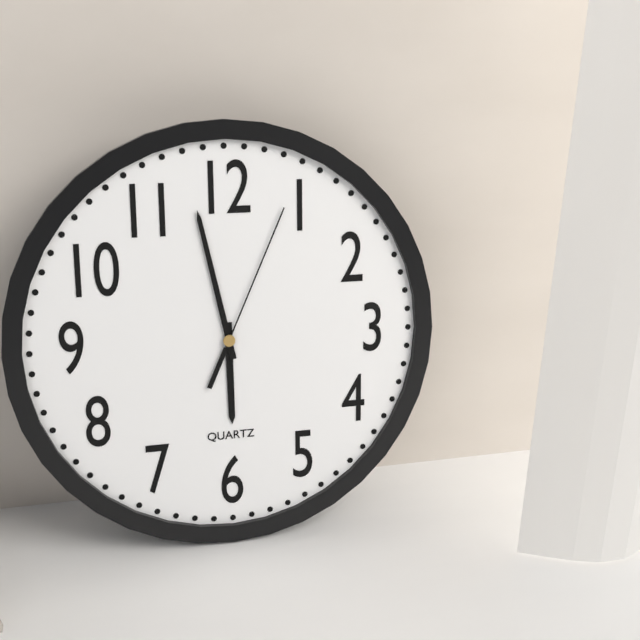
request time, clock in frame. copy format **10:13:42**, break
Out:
**5:58:04**
